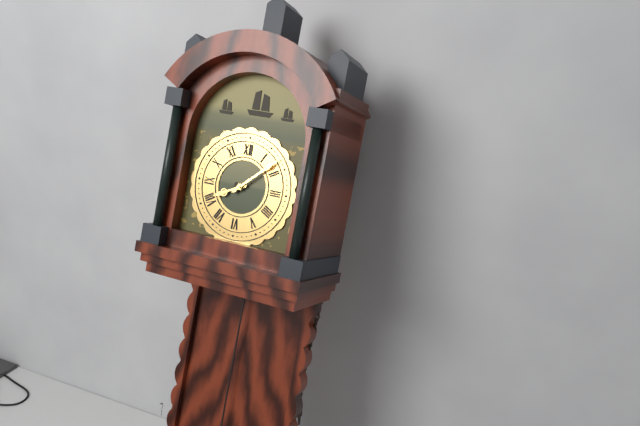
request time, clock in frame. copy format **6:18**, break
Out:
**8:08**
